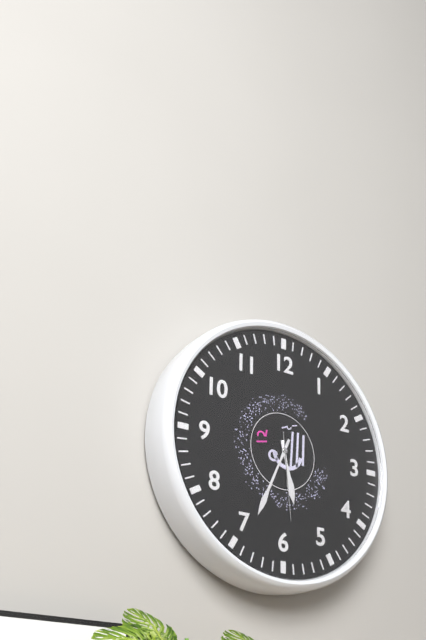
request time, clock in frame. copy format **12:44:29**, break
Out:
**5:34:29**
